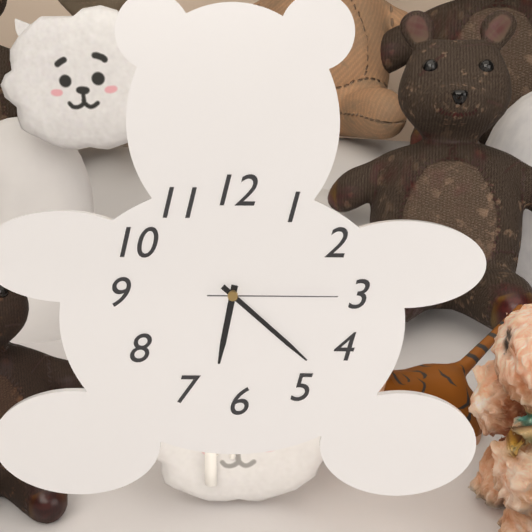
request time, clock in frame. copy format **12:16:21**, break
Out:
**6:22:15**
